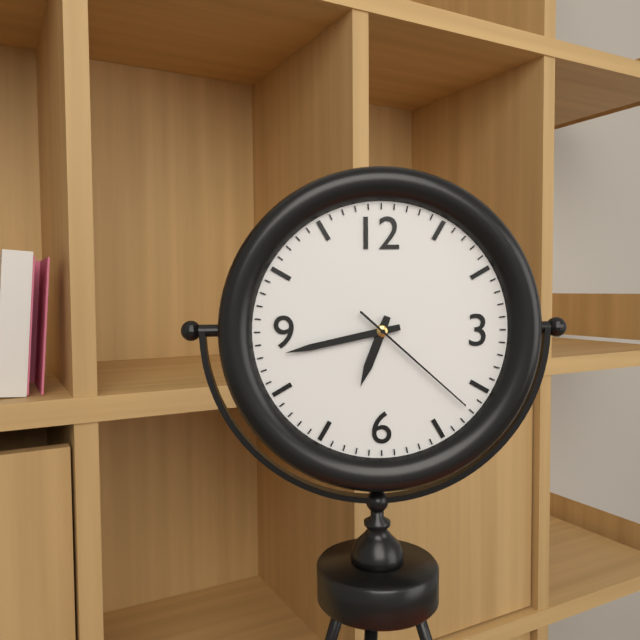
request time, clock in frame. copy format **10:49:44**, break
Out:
**6:43:22**
